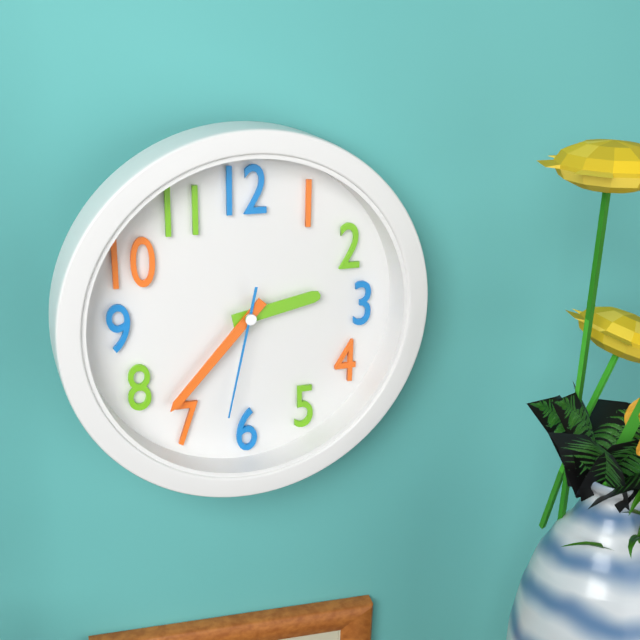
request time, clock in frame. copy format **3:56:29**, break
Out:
**2:37:32**
